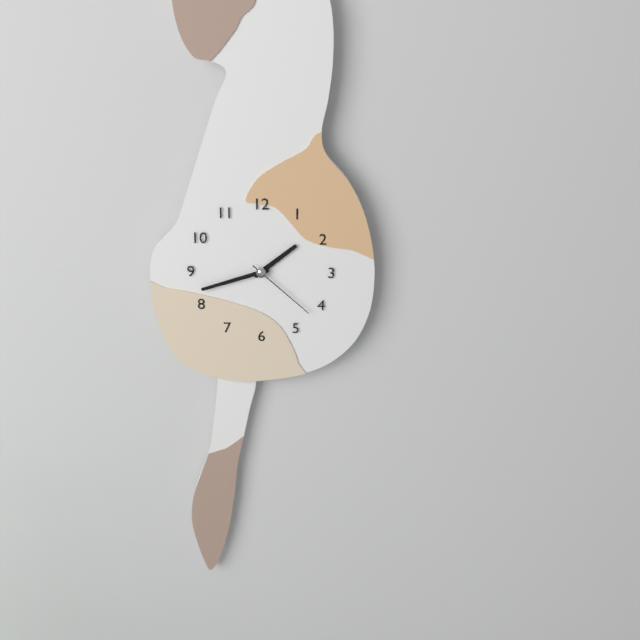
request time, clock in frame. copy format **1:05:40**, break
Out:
**1:42:22**
